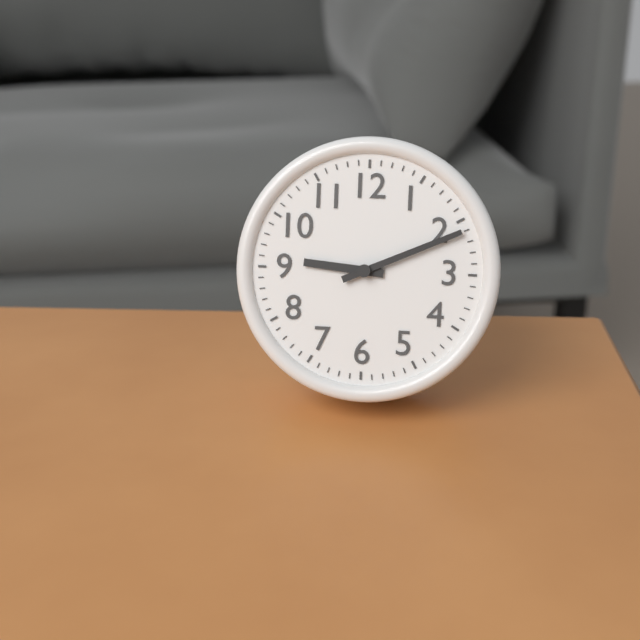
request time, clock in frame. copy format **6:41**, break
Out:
**9:11**
